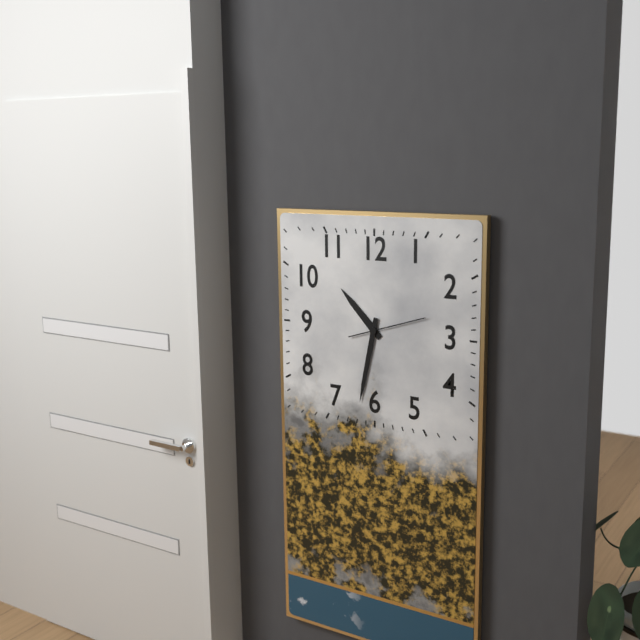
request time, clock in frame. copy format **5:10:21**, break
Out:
**10:32:12**
